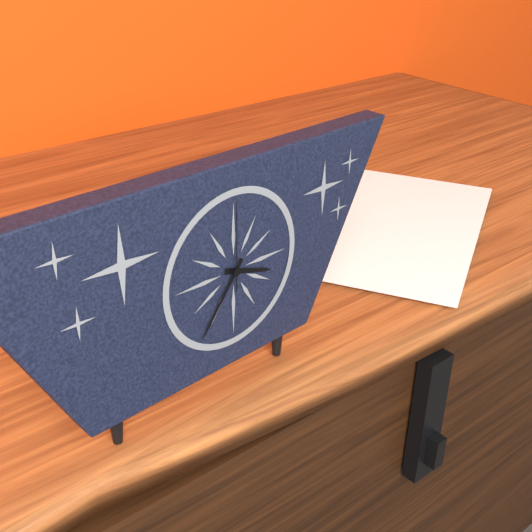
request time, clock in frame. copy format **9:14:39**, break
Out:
**3:36:00**
